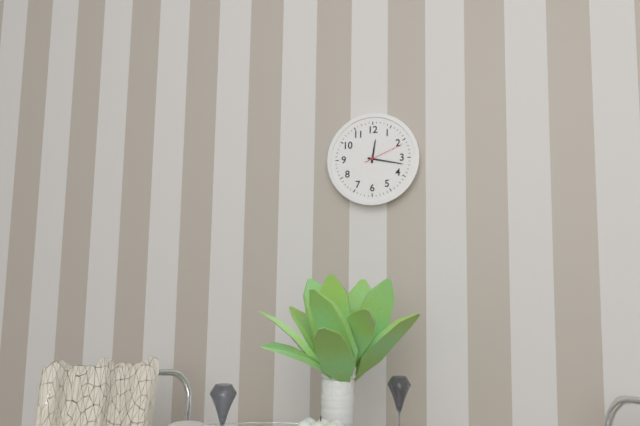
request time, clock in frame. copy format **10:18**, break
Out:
**12:17**
